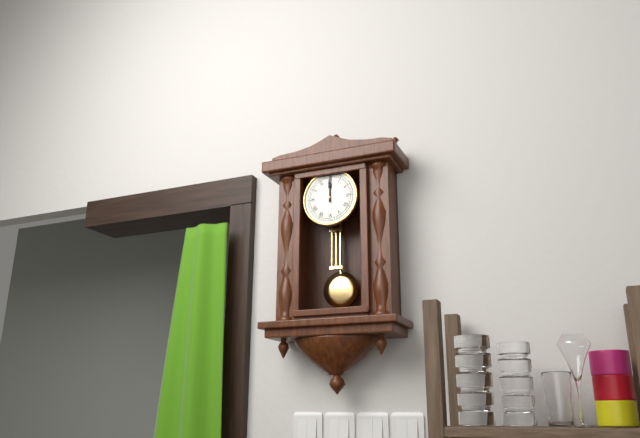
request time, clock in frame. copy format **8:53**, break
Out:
**12:00**
